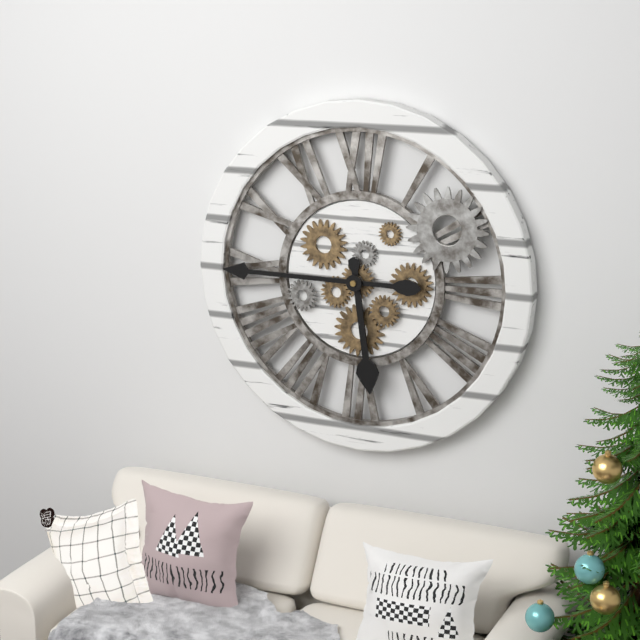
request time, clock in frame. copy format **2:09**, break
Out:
**5:45**
